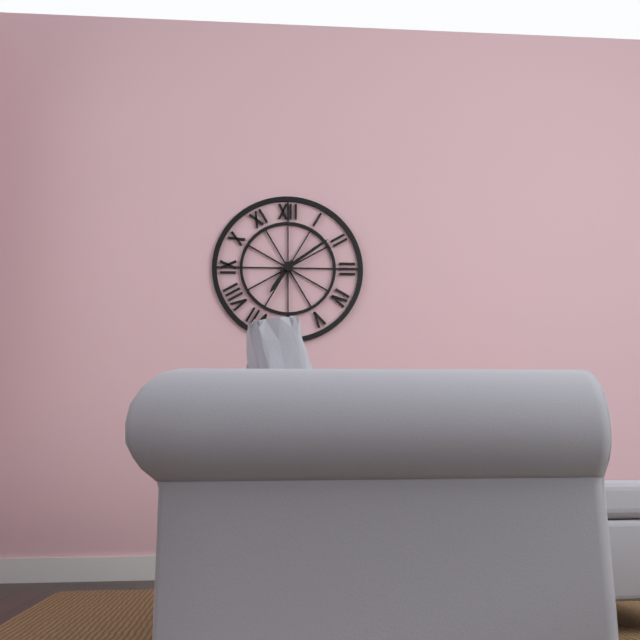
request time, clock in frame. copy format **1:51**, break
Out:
**7:09**
